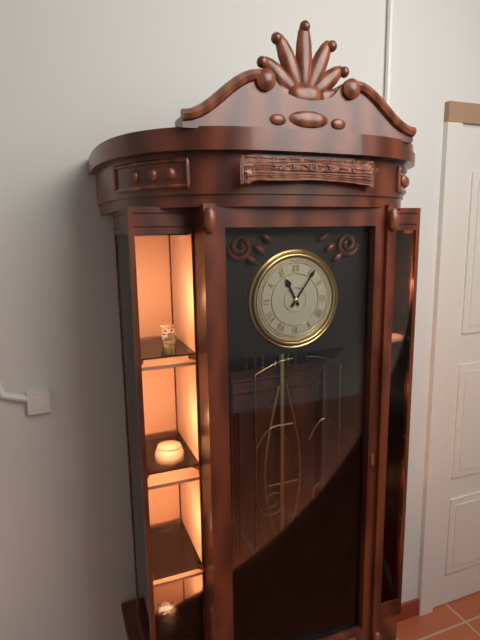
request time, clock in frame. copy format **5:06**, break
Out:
**11:06**
